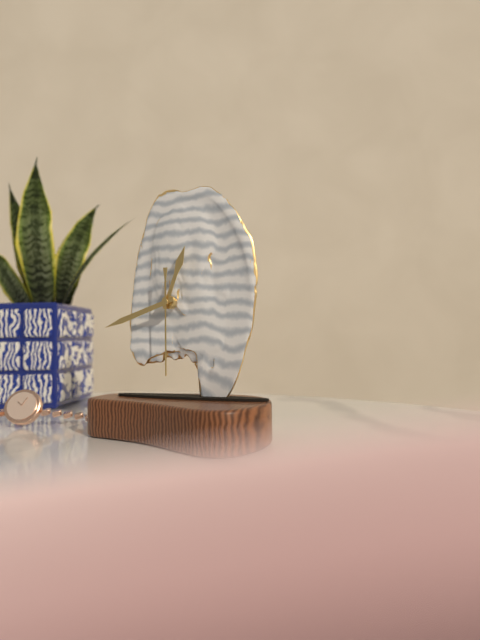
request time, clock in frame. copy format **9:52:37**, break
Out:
**12:42:30**
